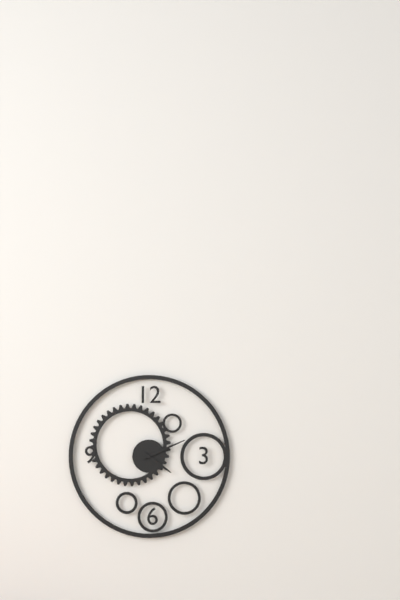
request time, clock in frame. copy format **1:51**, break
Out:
**4:11**
